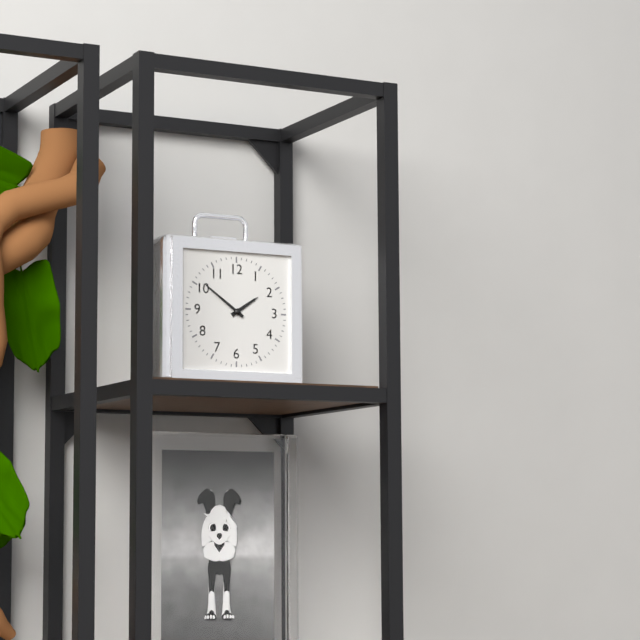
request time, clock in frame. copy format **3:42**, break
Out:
**1:51**
